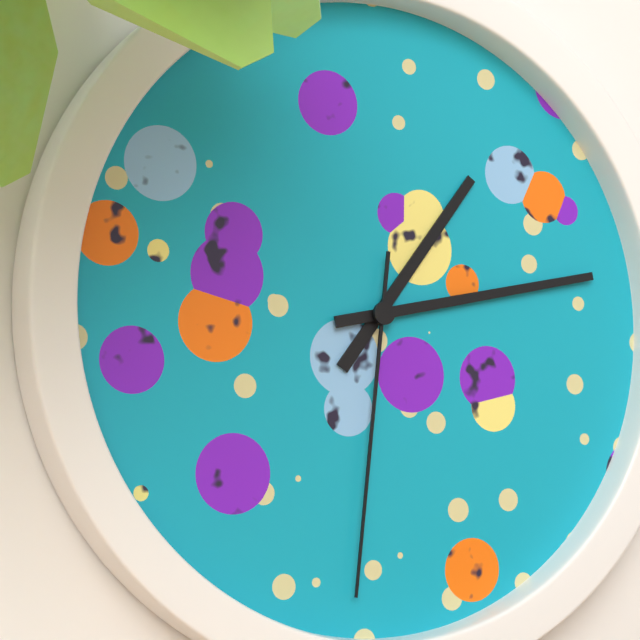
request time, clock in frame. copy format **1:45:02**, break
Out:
**1:13:31**
